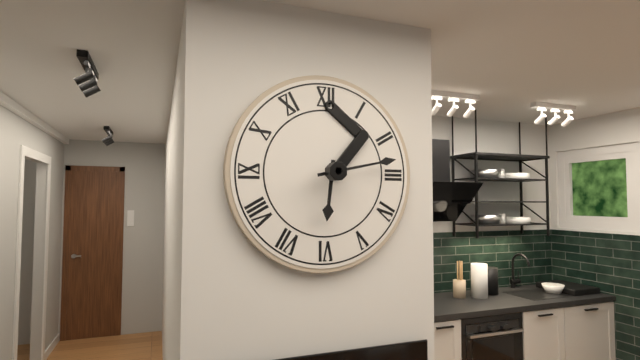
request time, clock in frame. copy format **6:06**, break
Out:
**6:13**
